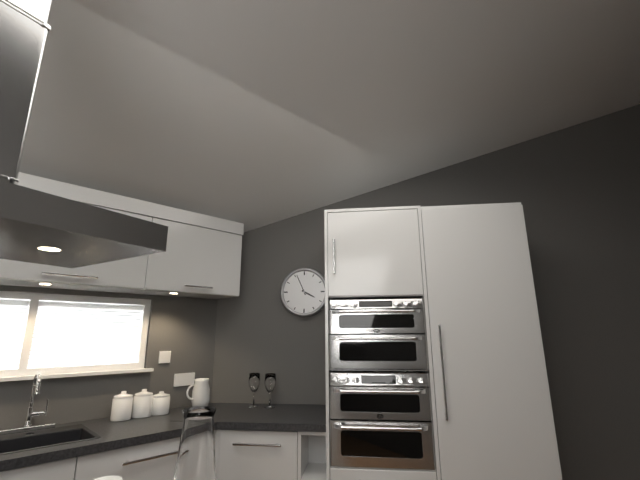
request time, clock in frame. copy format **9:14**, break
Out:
**3:56**
